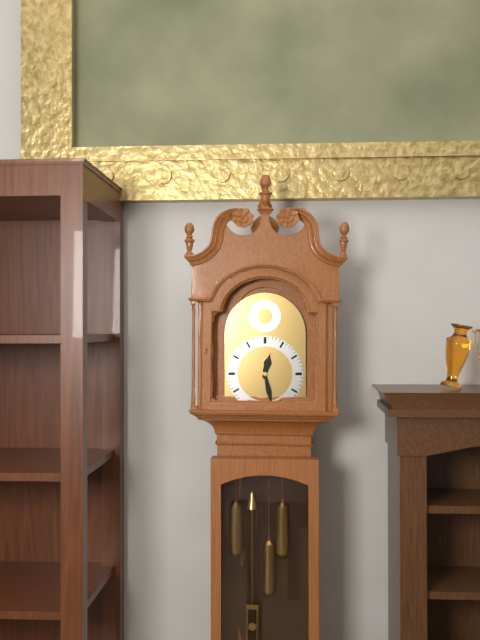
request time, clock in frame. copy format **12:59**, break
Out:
**12:28**
